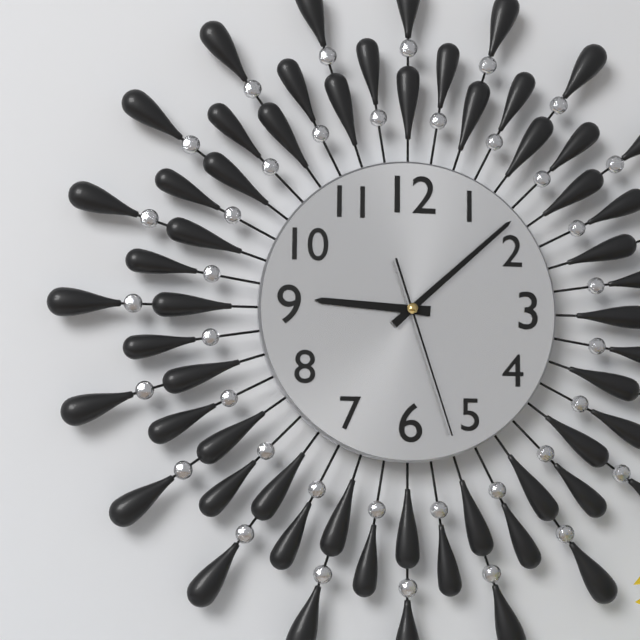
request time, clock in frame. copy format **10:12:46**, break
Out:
**9:08:27**
